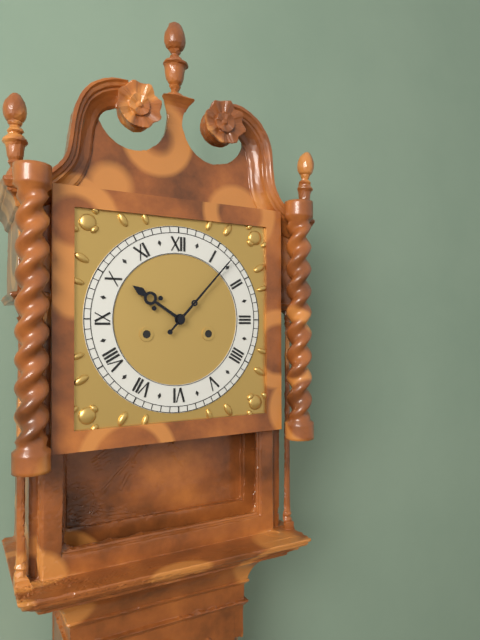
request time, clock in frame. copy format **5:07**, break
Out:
**10:07**
